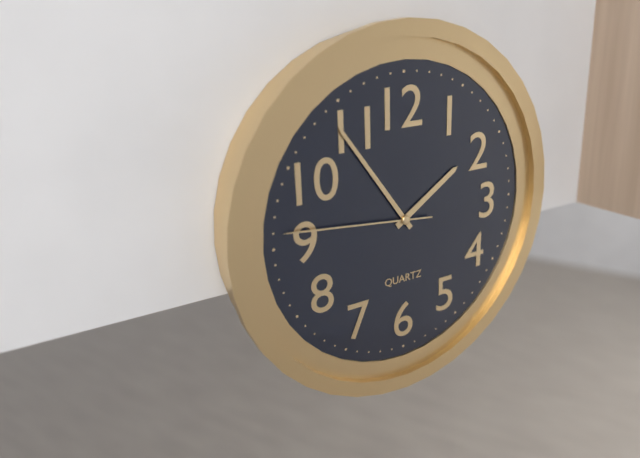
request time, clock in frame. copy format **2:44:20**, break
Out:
**1:54:46**
